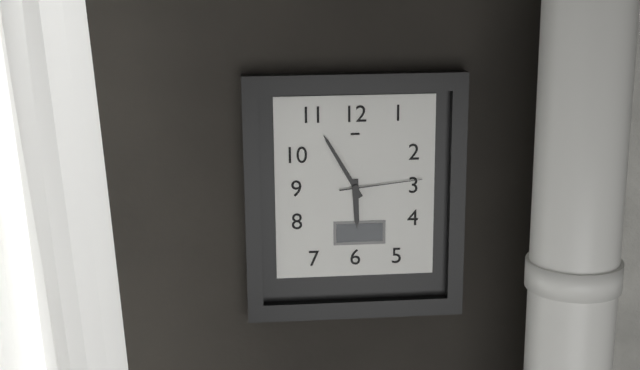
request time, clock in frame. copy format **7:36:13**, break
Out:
**5:55:14**
